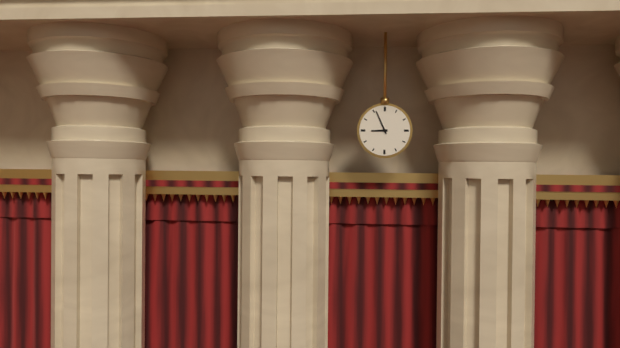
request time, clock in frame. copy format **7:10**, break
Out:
**8:56**
